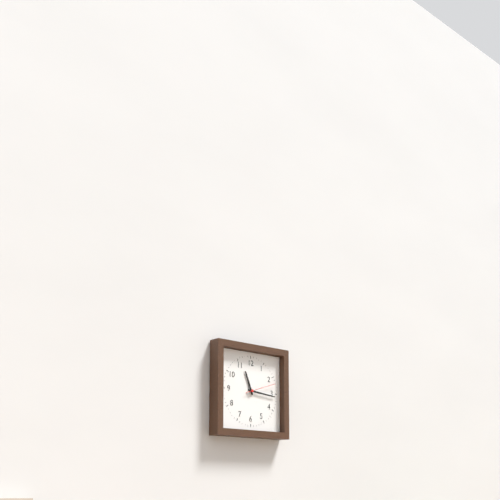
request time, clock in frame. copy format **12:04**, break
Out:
**11:16**
